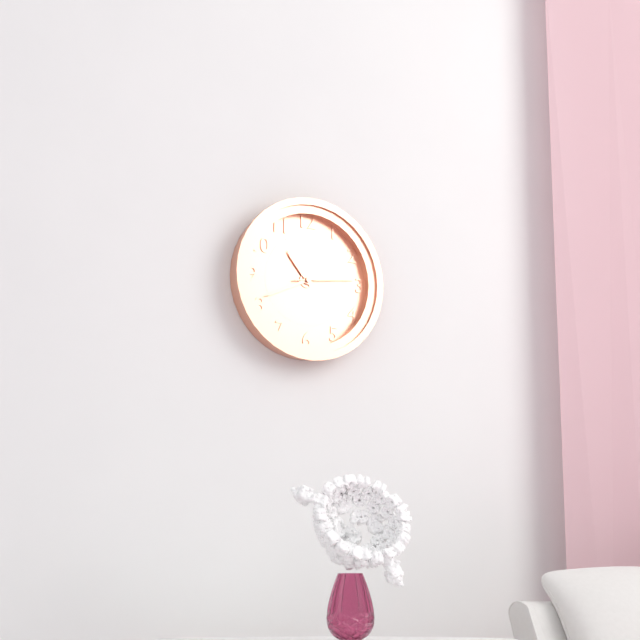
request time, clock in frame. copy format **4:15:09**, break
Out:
**10:41:14**
